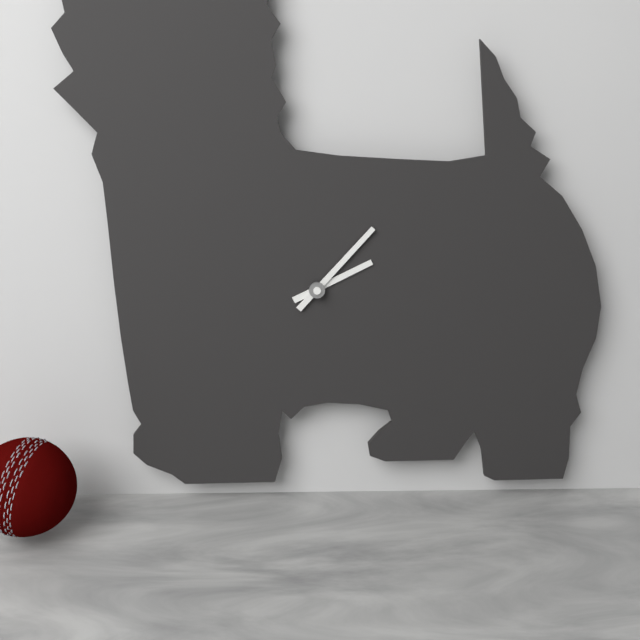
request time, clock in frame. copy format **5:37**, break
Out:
**2:07**
